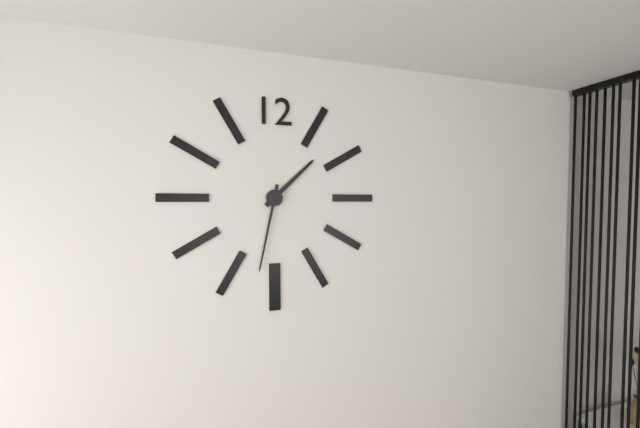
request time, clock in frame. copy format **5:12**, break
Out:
**1:32**
